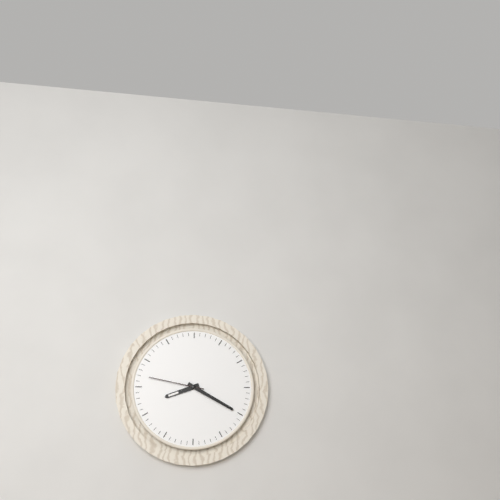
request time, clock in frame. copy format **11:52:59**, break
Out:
**8:20:47**
